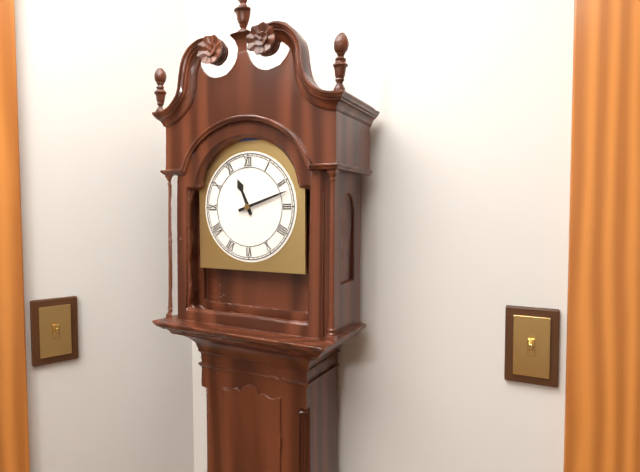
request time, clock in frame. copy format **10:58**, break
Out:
**11:12**
